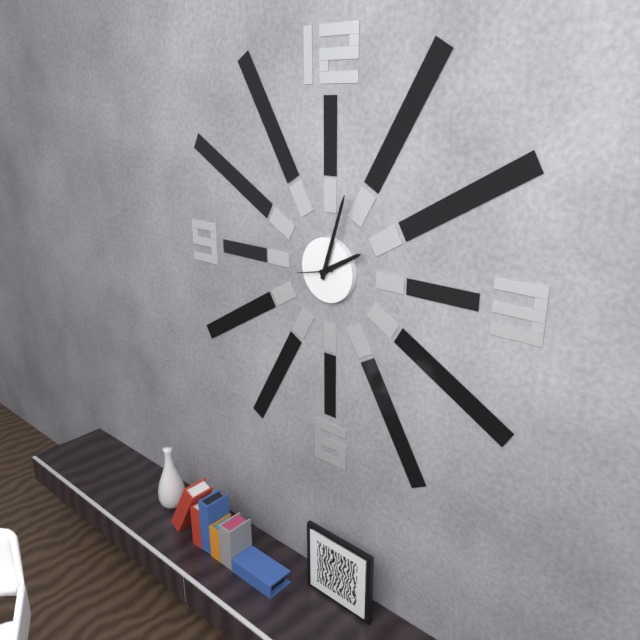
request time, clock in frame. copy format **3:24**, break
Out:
**2:03**
